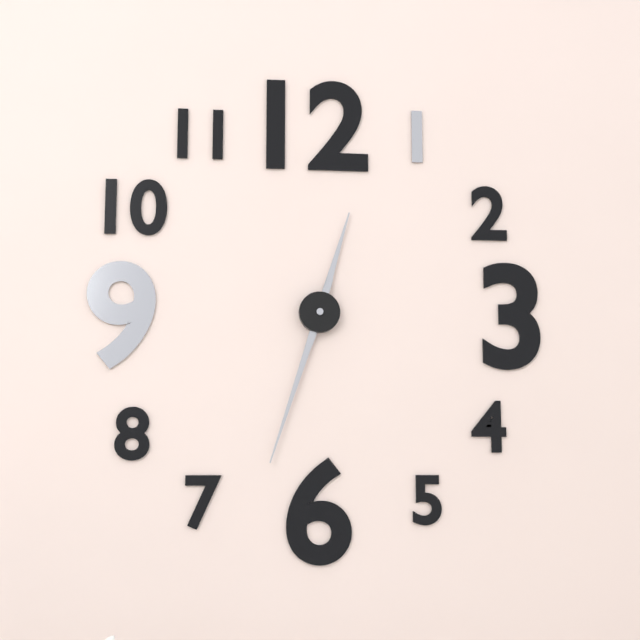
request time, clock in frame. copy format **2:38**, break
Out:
**12:33**
